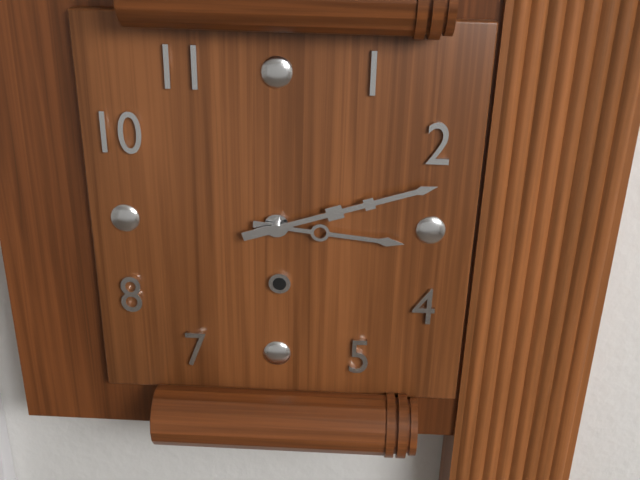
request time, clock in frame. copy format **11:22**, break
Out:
**3:12**
